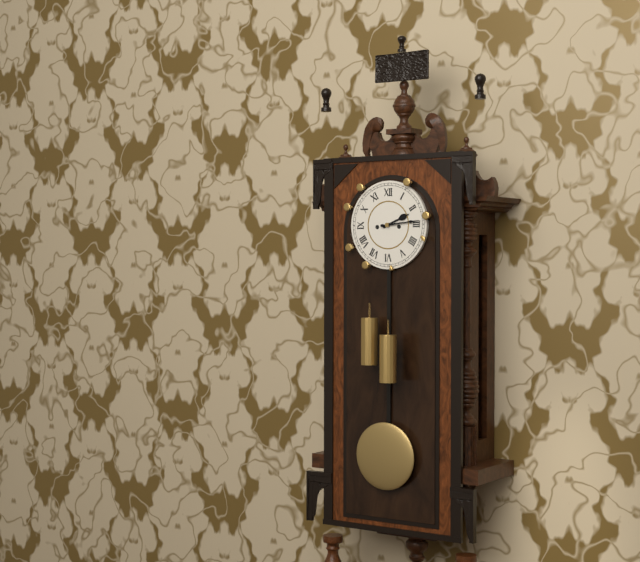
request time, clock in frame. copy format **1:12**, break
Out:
**2:14**
